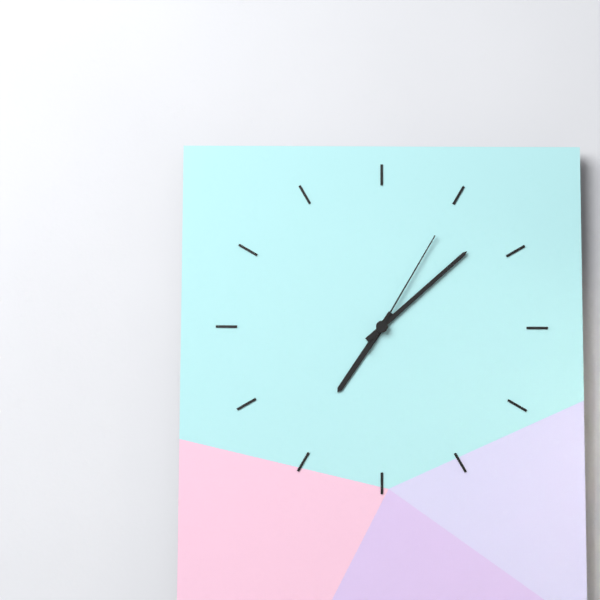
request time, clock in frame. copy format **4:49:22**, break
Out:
**7:08:05**
